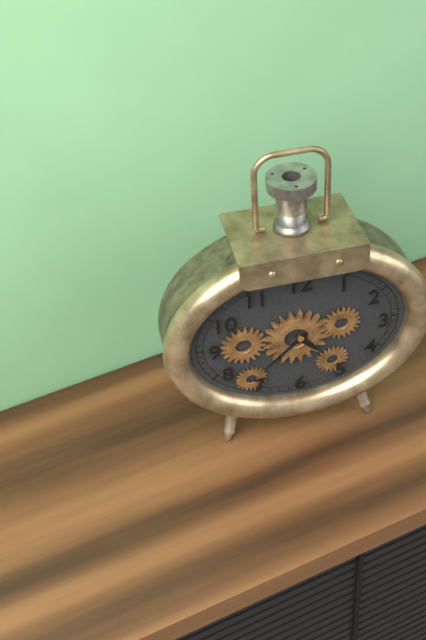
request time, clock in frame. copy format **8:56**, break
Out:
**4:38**
